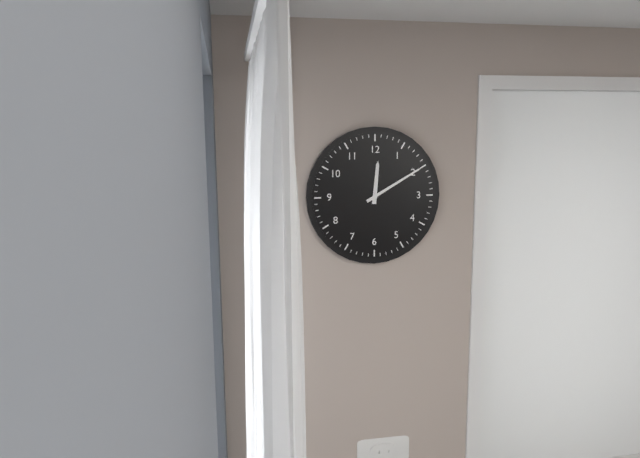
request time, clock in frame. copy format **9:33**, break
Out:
**12:10**
